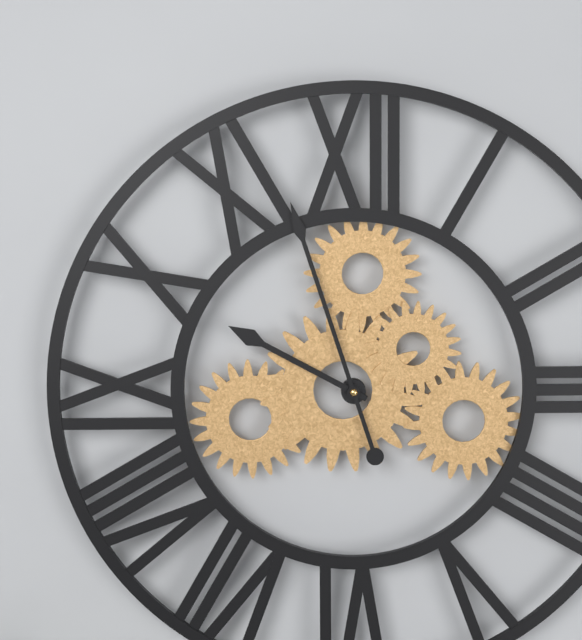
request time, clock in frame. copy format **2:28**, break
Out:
**9:57**
